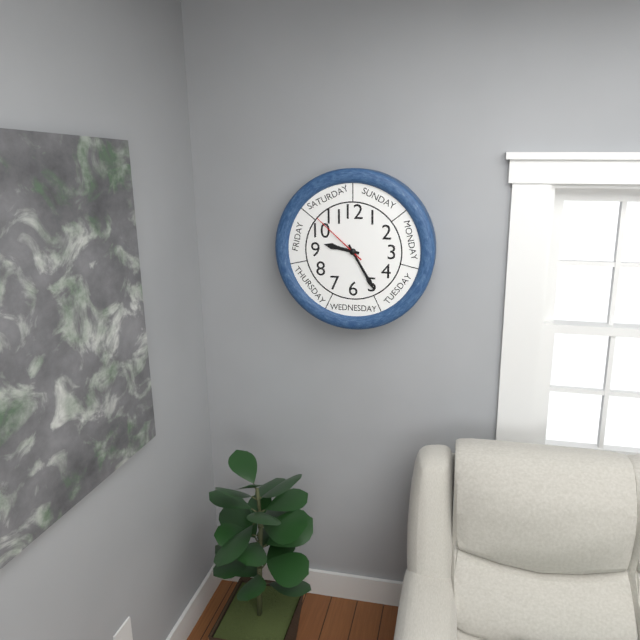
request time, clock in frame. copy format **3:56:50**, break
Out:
**9:25:52**
